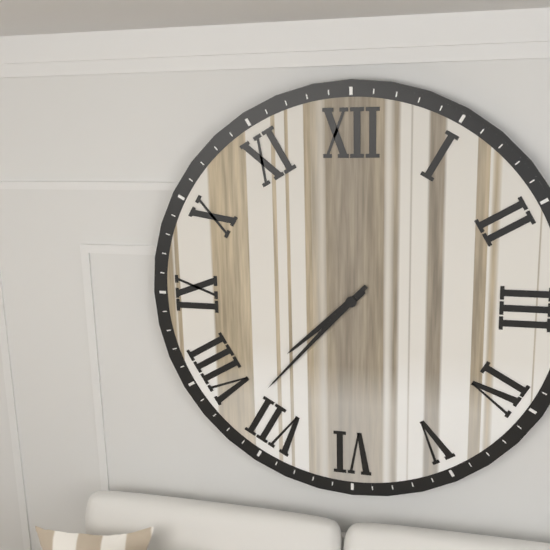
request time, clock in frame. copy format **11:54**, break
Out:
**7:37**
